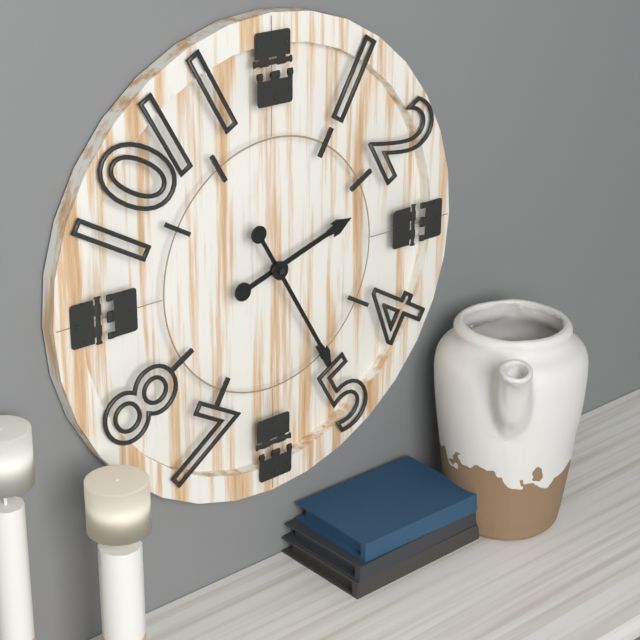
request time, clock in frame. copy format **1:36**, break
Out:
**2:25**
